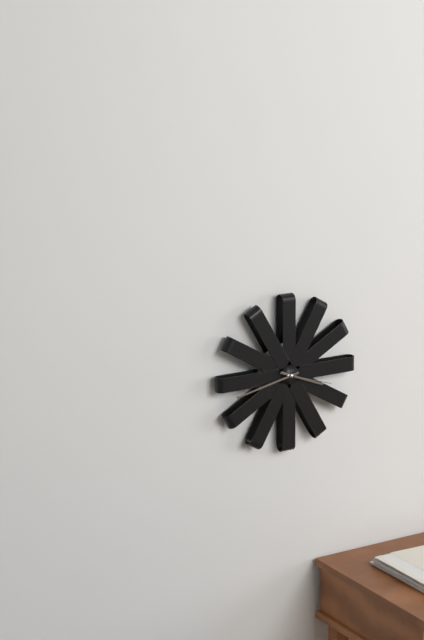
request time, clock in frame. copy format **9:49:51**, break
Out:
**3:43:18**
